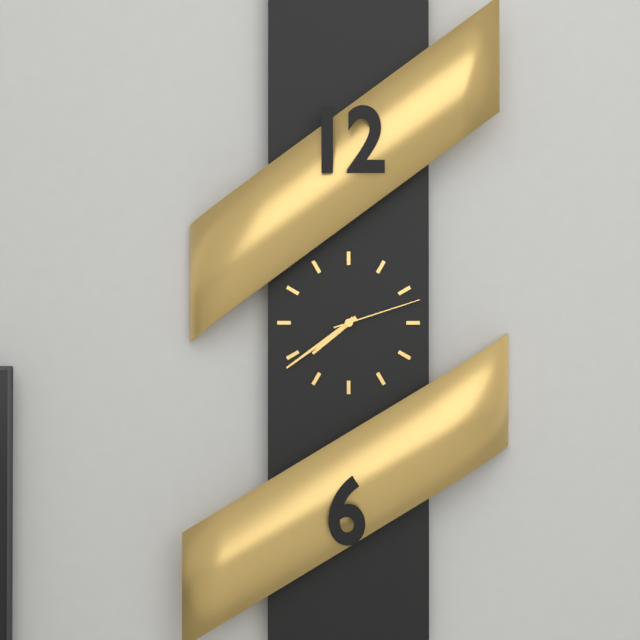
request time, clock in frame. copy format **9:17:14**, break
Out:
**7:39:12**
